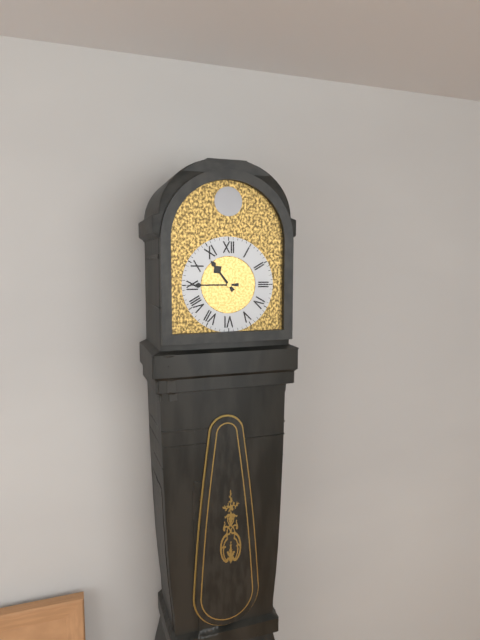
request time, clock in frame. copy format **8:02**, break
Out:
**10:45**
